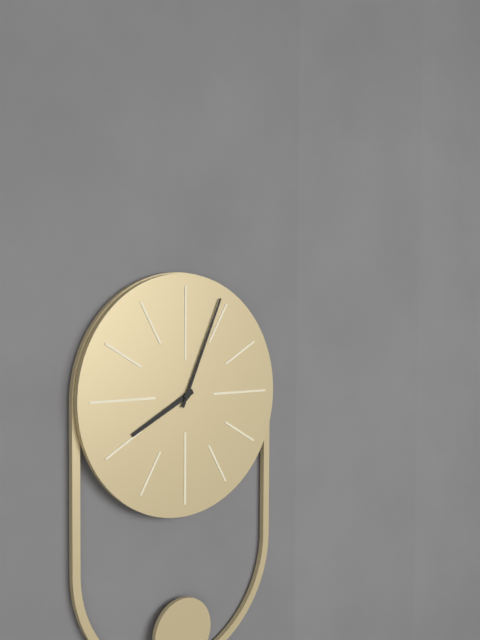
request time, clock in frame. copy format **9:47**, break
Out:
**8:04**
